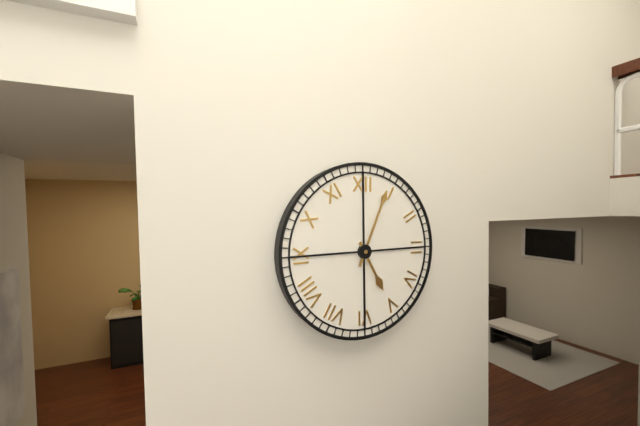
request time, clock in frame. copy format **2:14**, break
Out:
**5:04**
